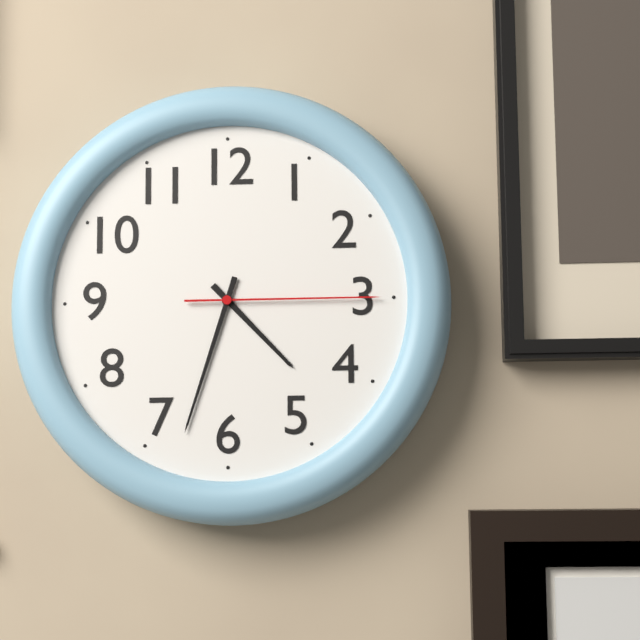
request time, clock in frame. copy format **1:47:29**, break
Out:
**4:33:15**
